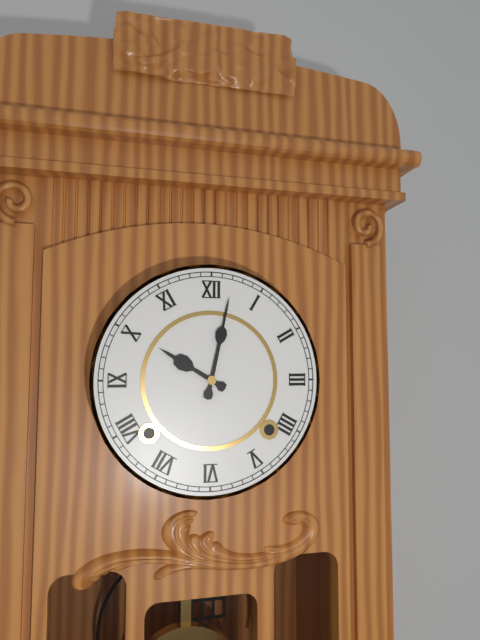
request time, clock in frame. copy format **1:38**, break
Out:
**10:02**
